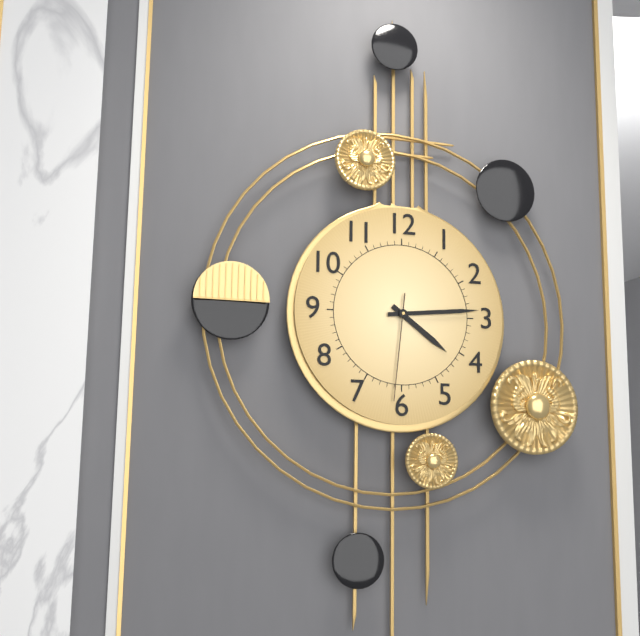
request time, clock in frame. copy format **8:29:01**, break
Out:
**4:14:31**
